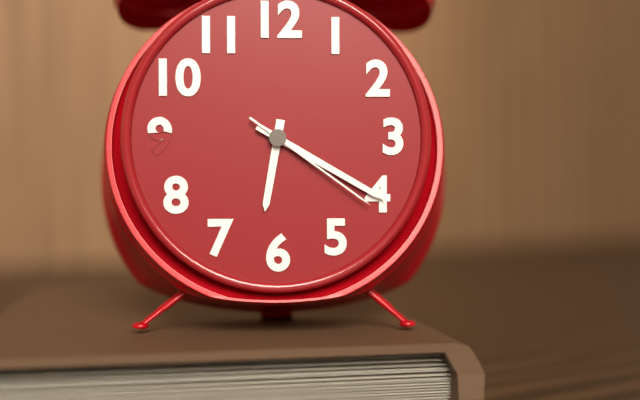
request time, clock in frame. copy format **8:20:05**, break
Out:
**6:20:21**
